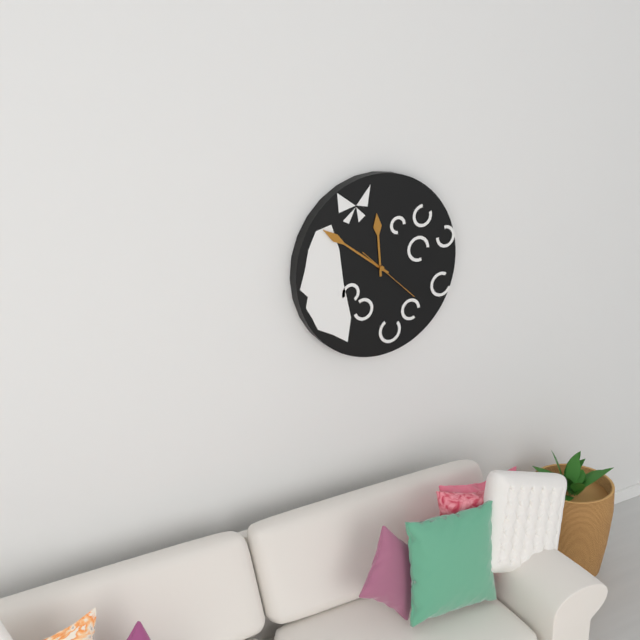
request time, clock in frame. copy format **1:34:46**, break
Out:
**11:51:22**
